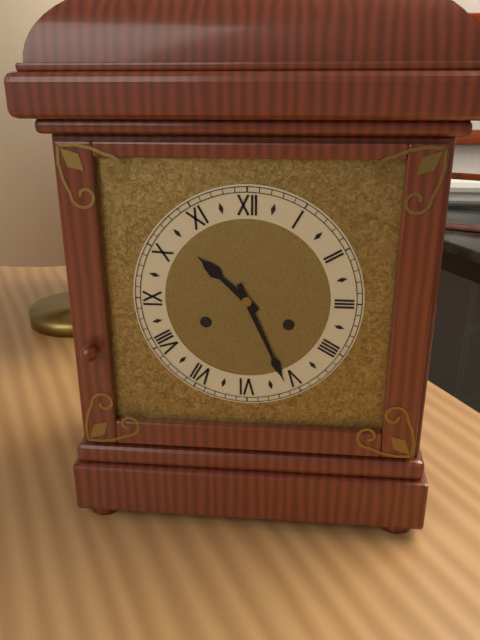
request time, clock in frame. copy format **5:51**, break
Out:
**10:26**
